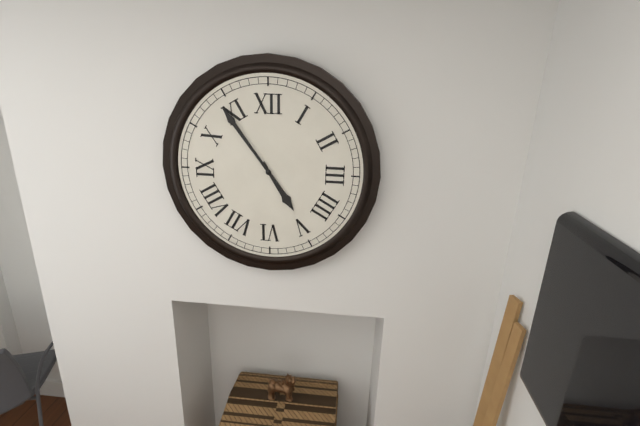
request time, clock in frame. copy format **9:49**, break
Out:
**4:54**
